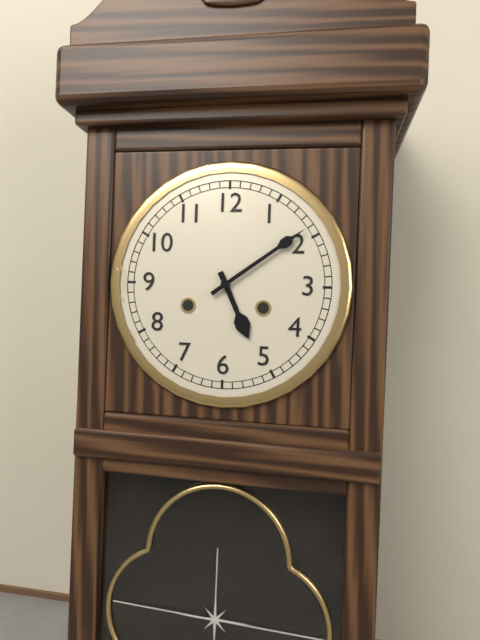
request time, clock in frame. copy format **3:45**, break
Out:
**5:09**
